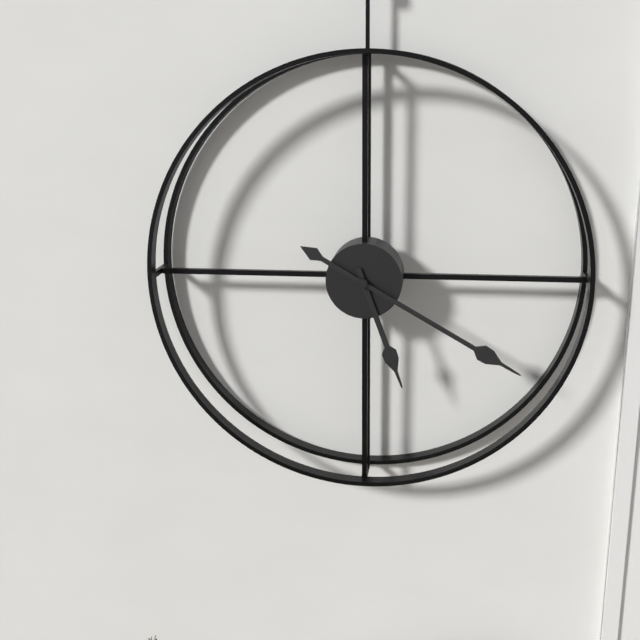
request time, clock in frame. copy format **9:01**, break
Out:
**5:20**
